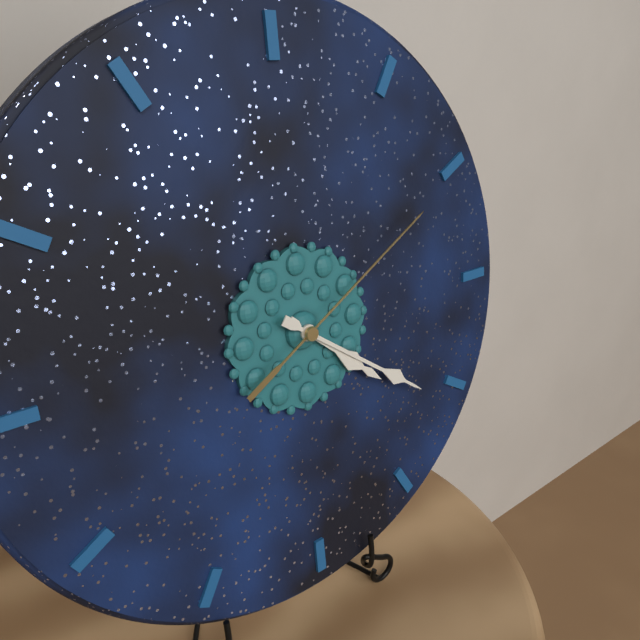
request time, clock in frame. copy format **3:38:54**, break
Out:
**4:21:10**
